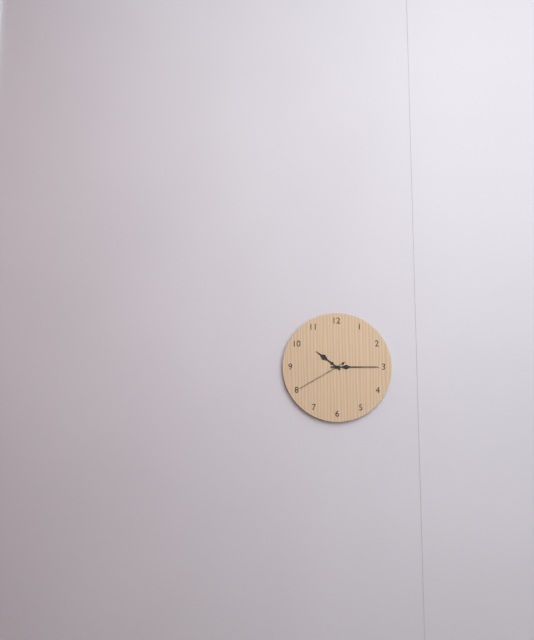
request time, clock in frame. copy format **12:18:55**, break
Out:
**10:15:40**
